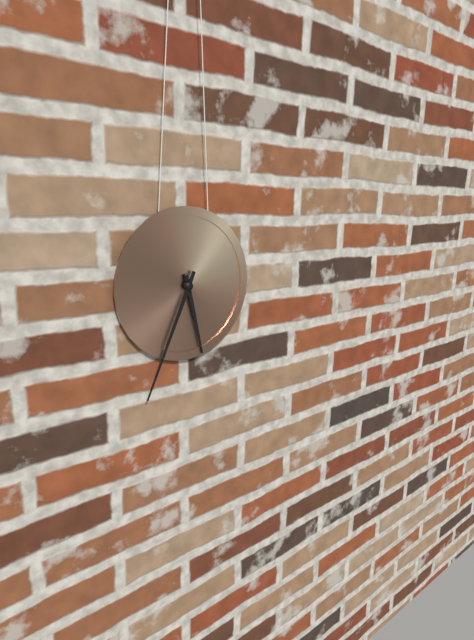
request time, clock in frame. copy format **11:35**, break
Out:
**5:34**
